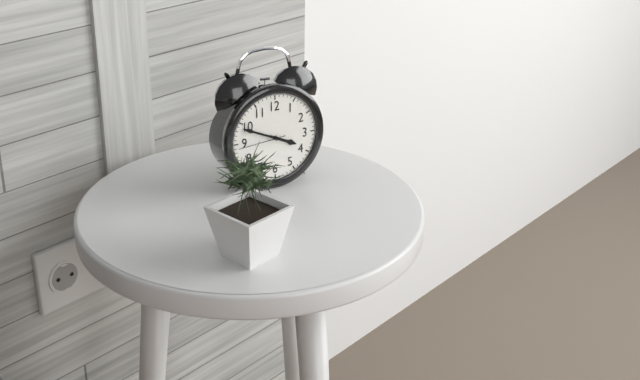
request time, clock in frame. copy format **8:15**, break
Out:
**3:49**
